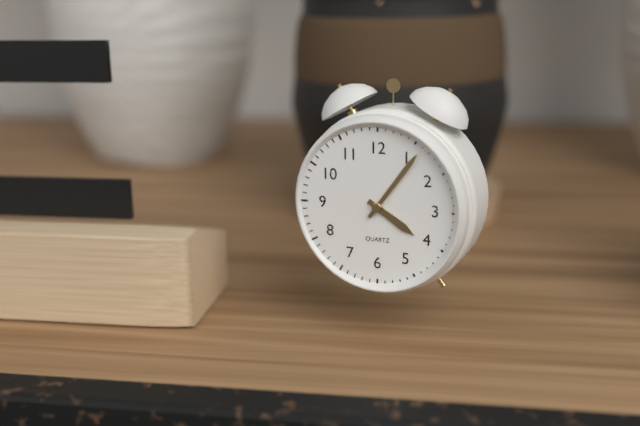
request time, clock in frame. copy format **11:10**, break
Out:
**4:06**
